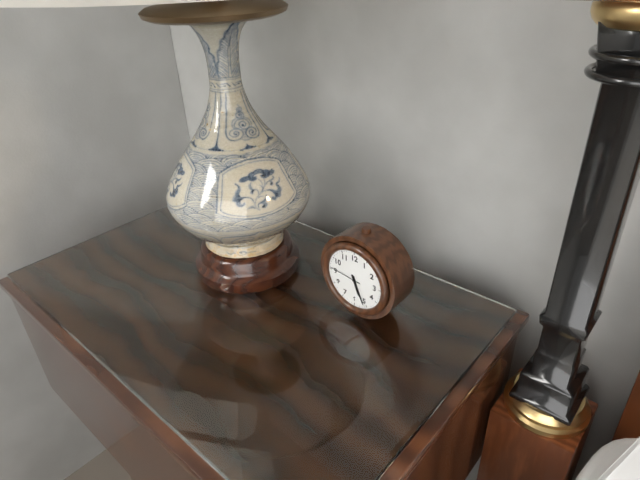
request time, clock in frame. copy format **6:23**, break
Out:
**5:26**
